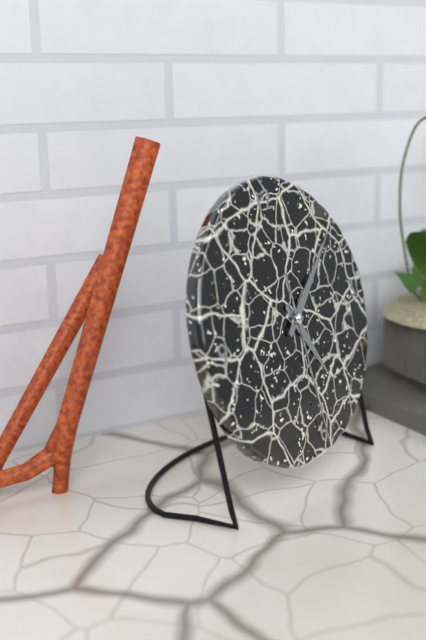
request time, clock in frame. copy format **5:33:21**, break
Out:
**5:09:30**
